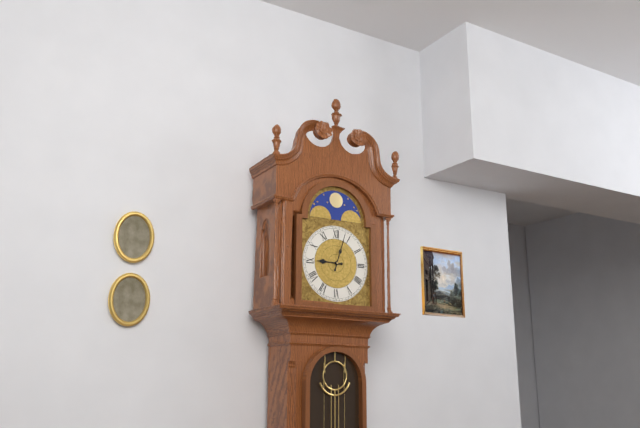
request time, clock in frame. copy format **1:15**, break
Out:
**9:03**
